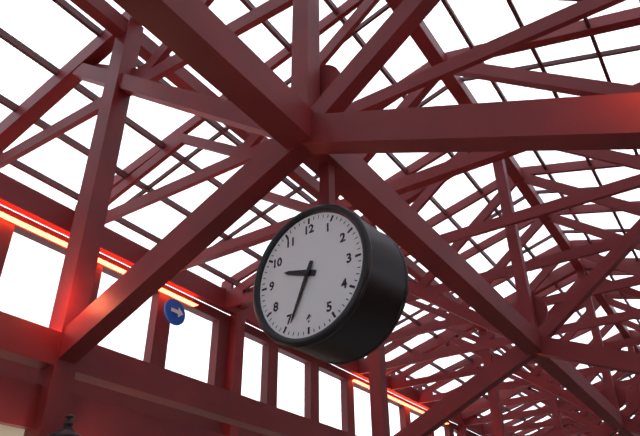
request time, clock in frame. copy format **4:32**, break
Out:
**9:34**
